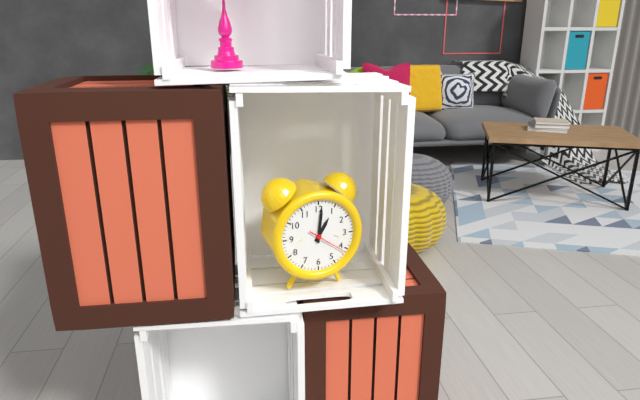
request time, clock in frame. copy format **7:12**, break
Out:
**1:01**
